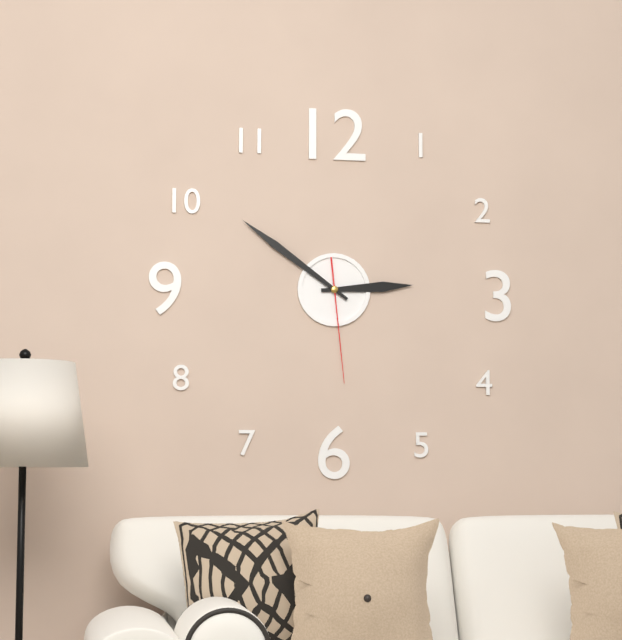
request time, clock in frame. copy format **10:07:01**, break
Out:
**2:51:29**
